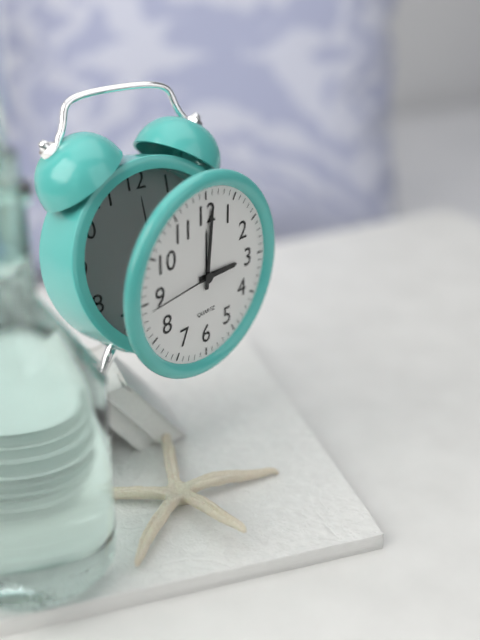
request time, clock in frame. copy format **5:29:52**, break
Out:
**3:01:44**
